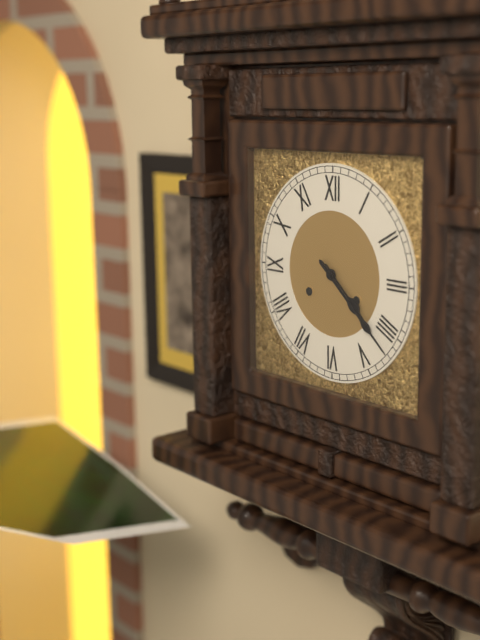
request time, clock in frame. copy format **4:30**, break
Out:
**4:22**
